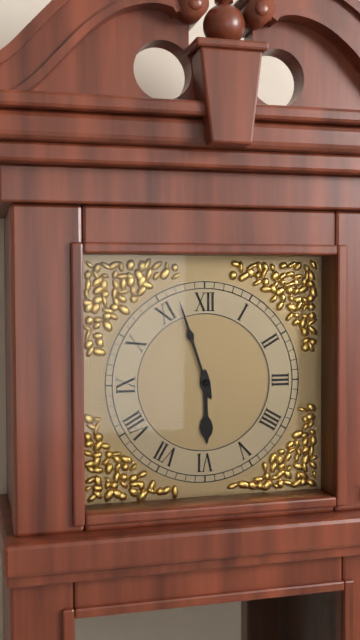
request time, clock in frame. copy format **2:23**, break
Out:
**5:57**
